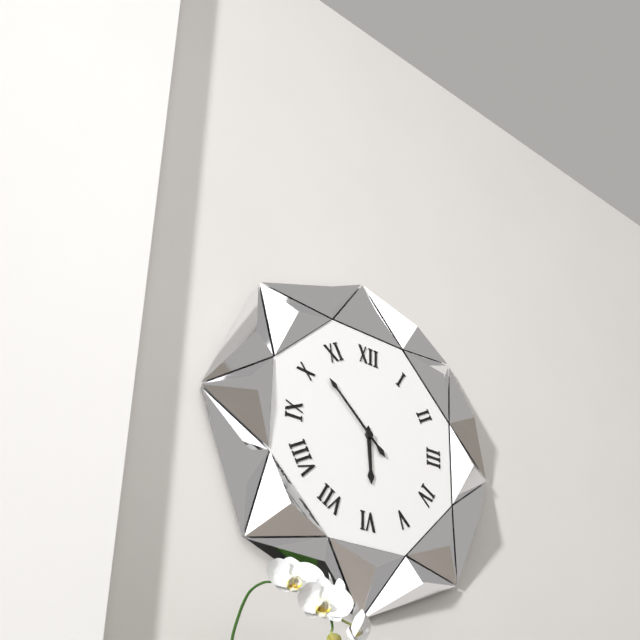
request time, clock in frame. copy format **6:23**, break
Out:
**5:52**
